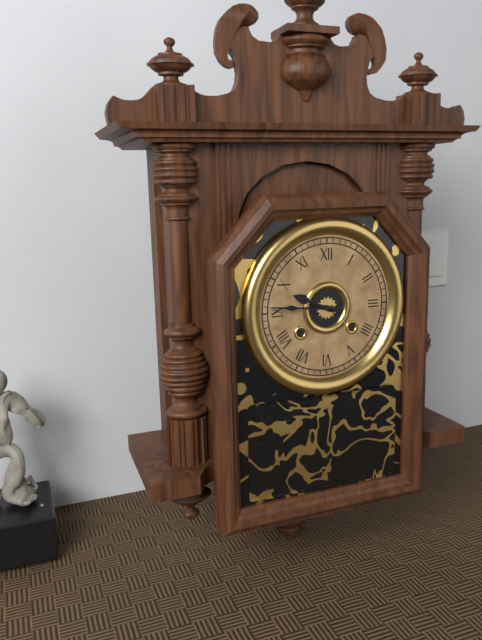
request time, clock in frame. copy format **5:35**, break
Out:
**9:46**
